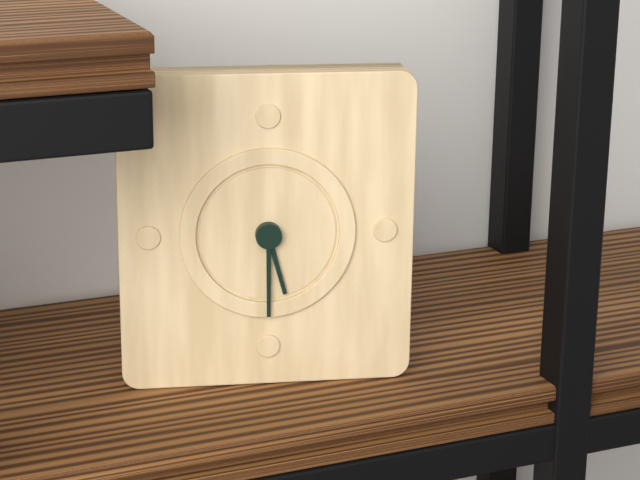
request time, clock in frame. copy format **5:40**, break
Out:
**5:30**
